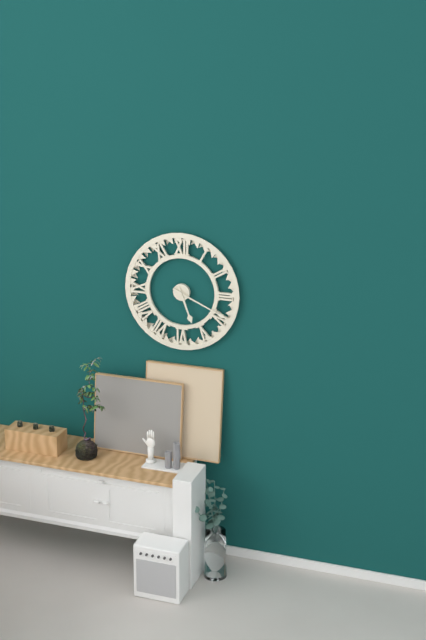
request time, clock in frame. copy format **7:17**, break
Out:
**5:19**
